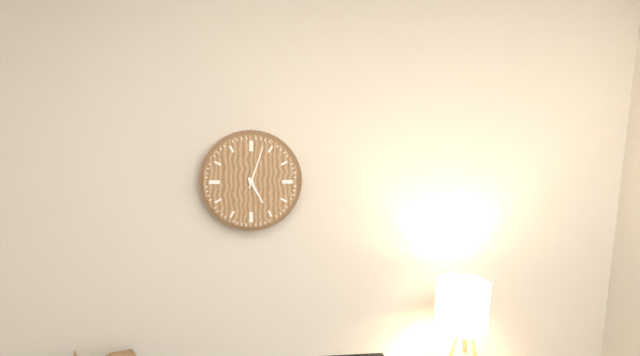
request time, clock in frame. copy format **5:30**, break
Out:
**5:03**
